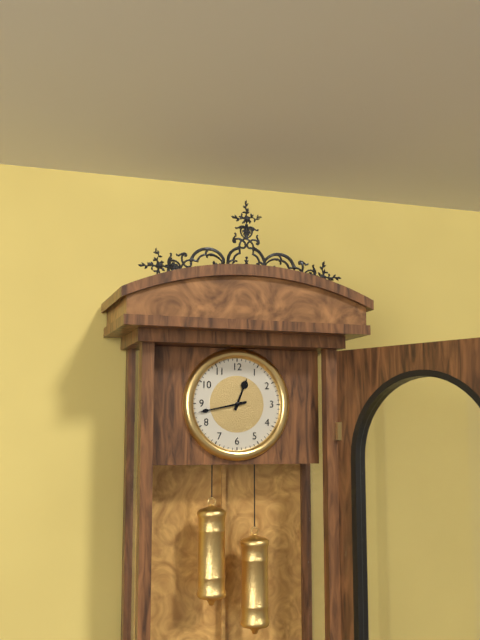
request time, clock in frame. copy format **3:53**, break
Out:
**12:43**
